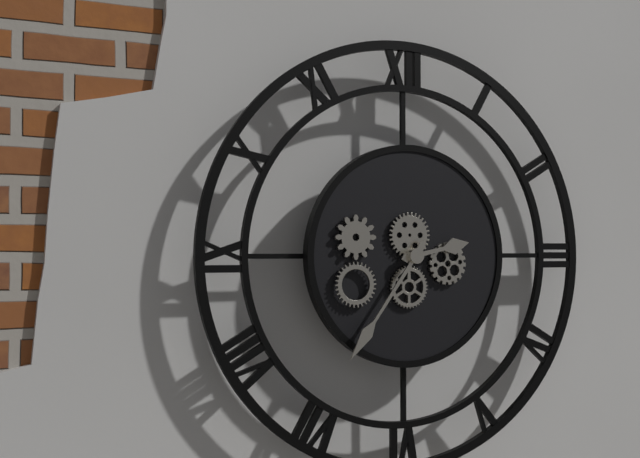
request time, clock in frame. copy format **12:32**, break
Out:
**2:36**
